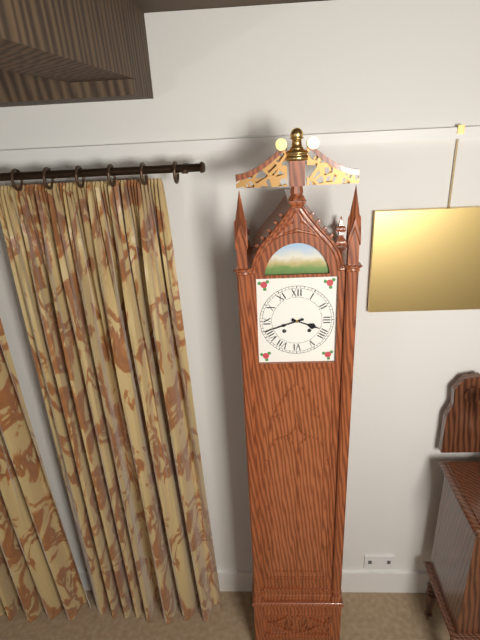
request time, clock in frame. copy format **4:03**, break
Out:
**3:42**
